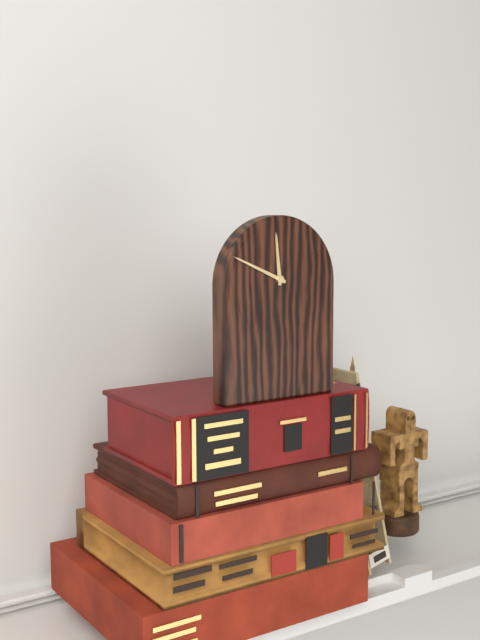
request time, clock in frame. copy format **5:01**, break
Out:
**11:49**
